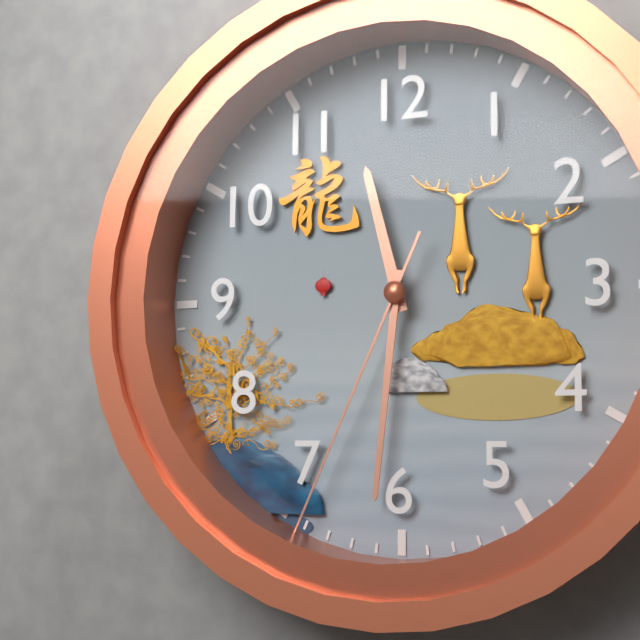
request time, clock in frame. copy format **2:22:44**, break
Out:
**11:31:34**
